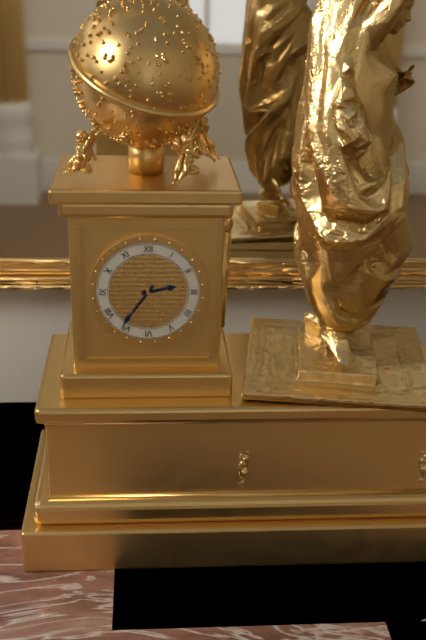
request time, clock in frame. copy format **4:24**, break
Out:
**2:36**
